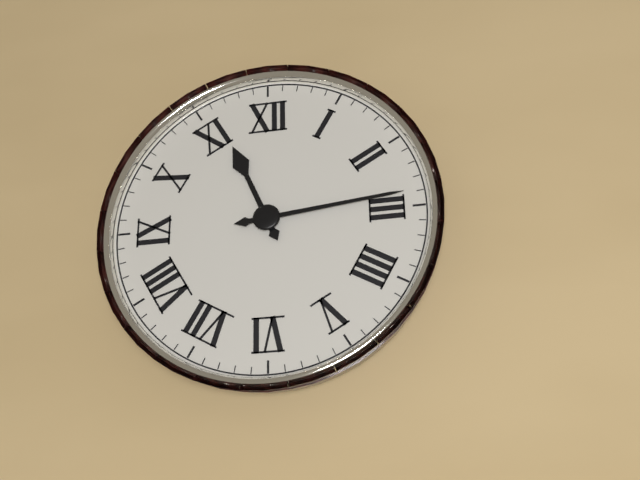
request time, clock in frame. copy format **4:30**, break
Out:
**11:14**
